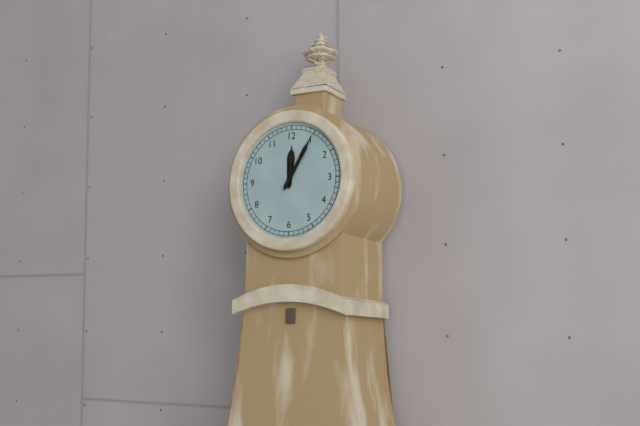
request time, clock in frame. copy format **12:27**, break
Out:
**12:05**
